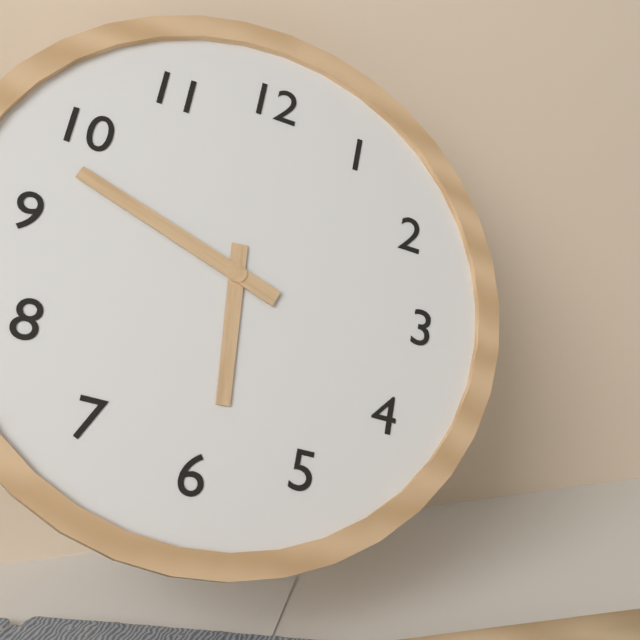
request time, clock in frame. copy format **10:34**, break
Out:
**5:48**
